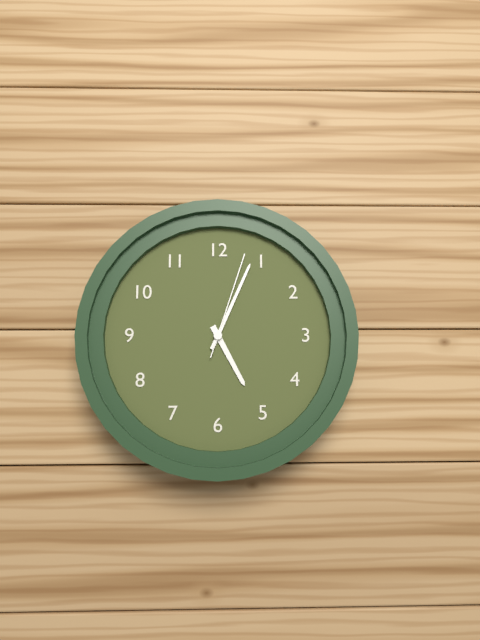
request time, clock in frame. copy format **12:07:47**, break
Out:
**5:04:03**
